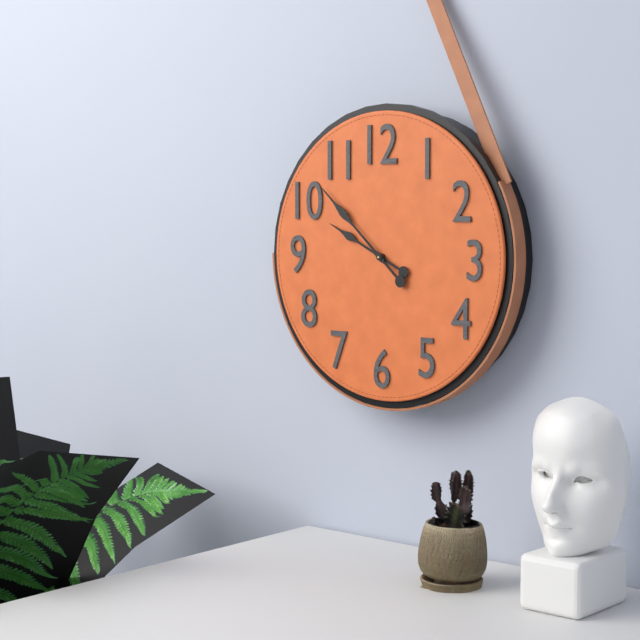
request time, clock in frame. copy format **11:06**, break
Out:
**9:52**
